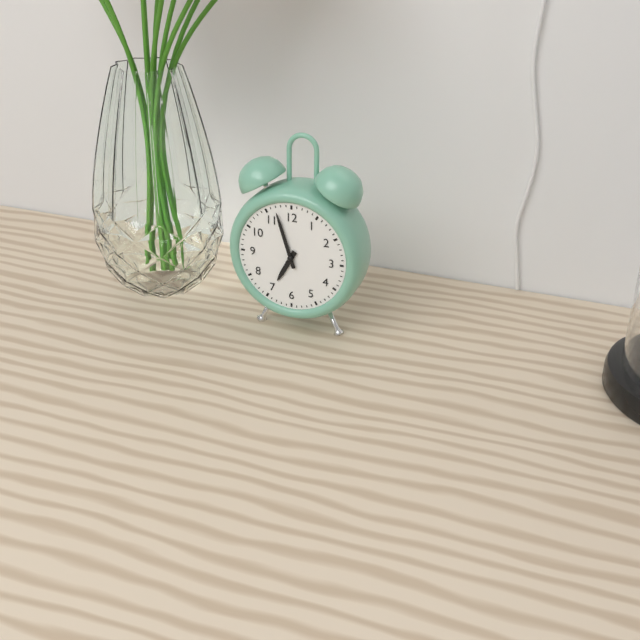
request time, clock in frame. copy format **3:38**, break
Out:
**6:57**
